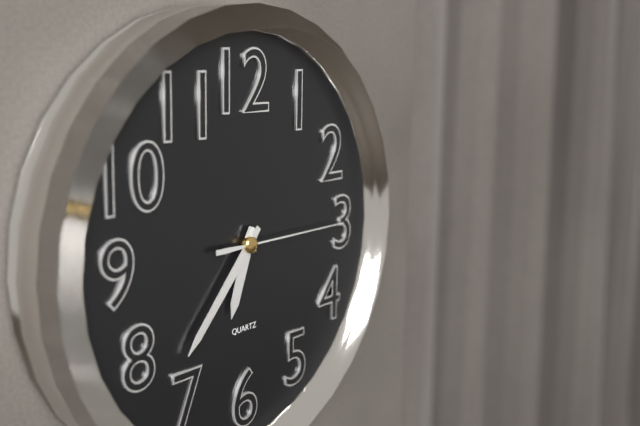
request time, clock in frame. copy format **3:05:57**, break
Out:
**6:37:15**
